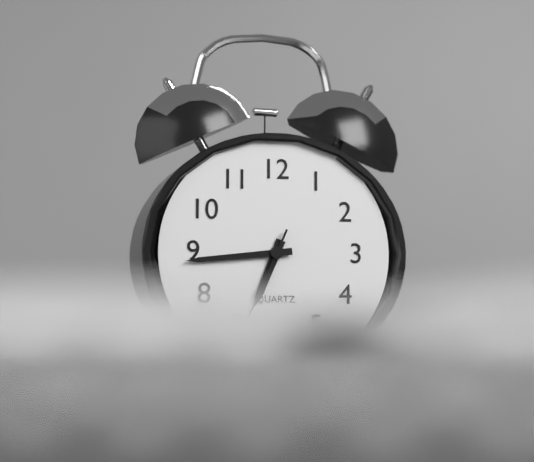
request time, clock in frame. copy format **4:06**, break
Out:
**6:44**
